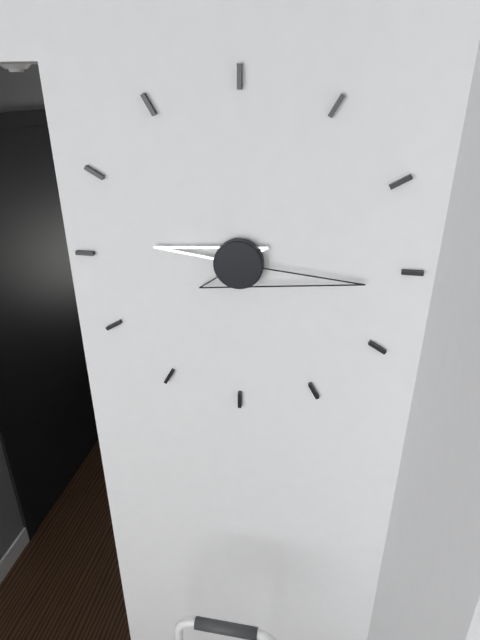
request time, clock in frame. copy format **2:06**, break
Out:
**9:16**
